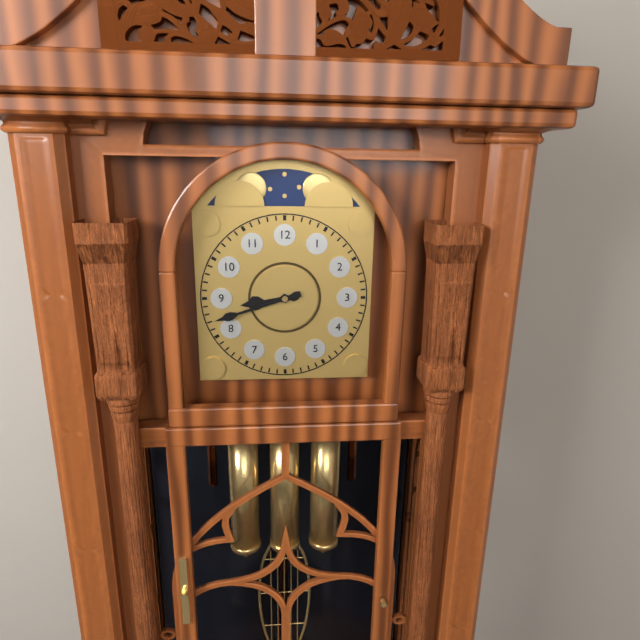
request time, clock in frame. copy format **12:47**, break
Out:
**8:42**
